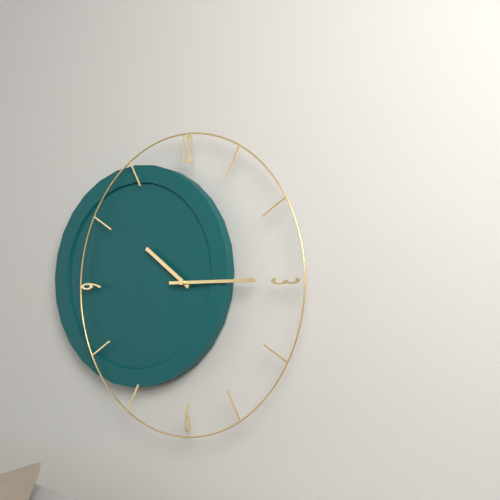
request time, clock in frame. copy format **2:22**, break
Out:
**10:15**
